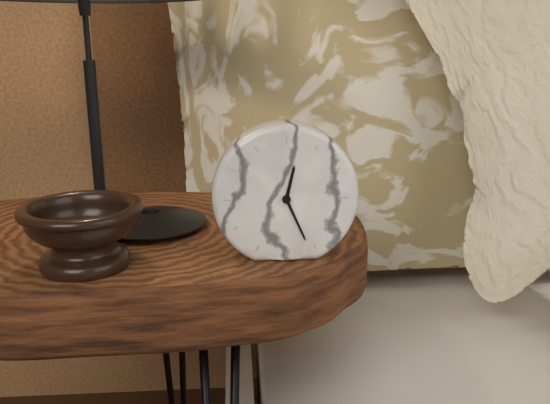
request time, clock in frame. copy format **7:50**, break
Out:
**12:26**
